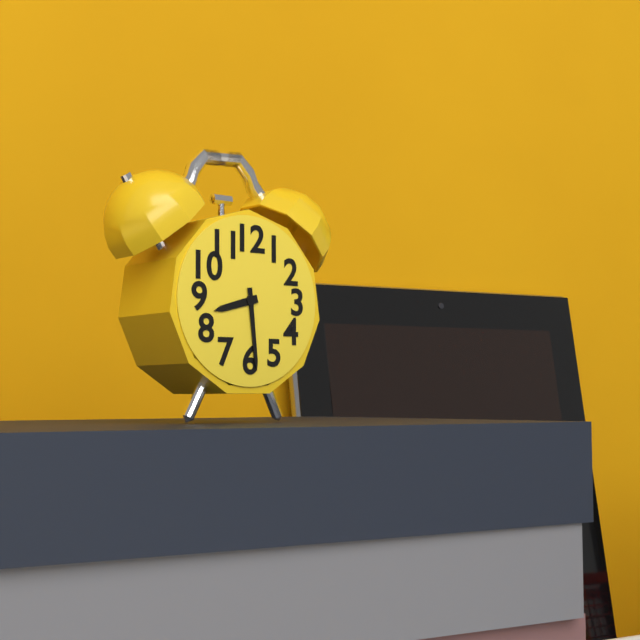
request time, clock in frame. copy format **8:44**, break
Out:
**8:29**
